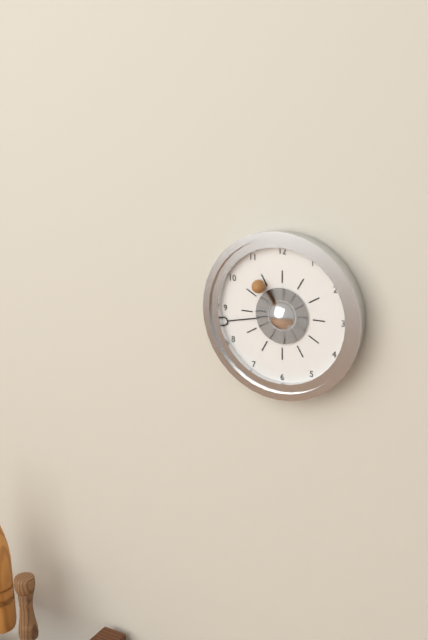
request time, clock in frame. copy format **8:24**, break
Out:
**10:43**
